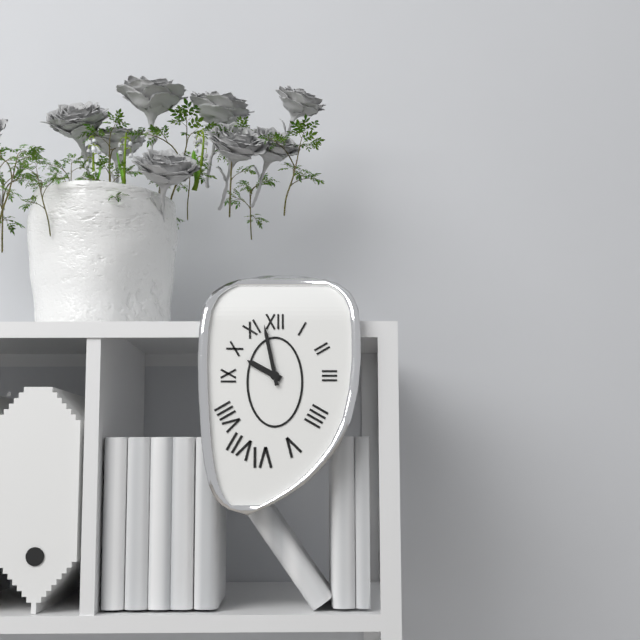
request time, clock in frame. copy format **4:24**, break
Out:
**9:58**
